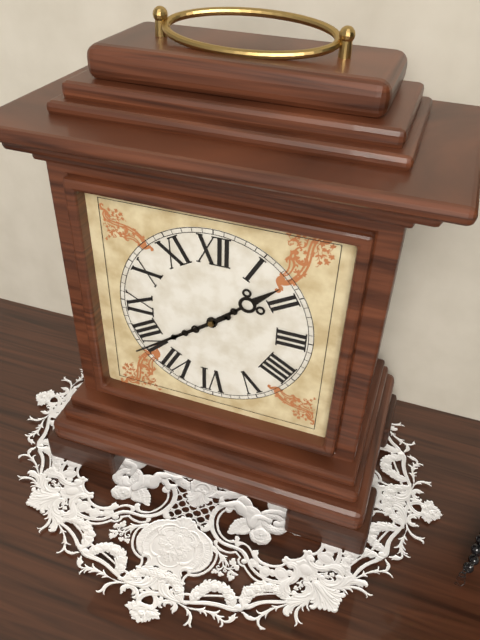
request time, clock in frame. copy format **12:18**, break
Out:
**1:39**
